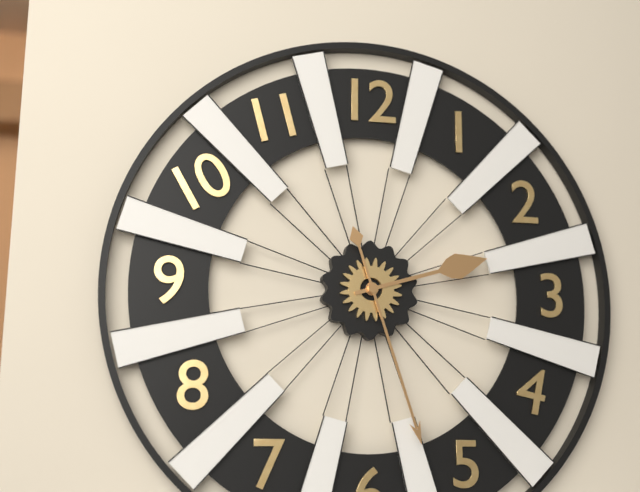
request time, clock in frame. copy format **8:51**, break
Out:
**2:27**
